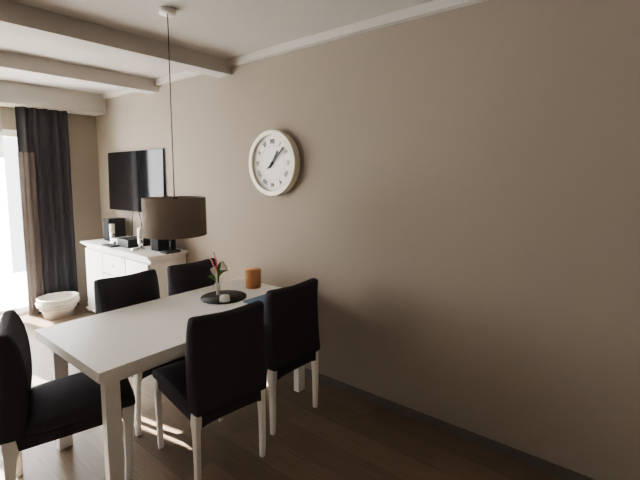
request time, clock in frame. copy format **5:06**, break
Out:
**1:08**
